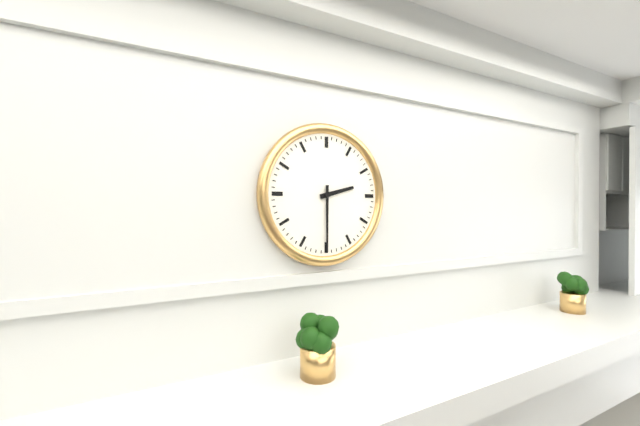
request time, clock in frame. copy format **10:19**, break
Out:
**2:30**
